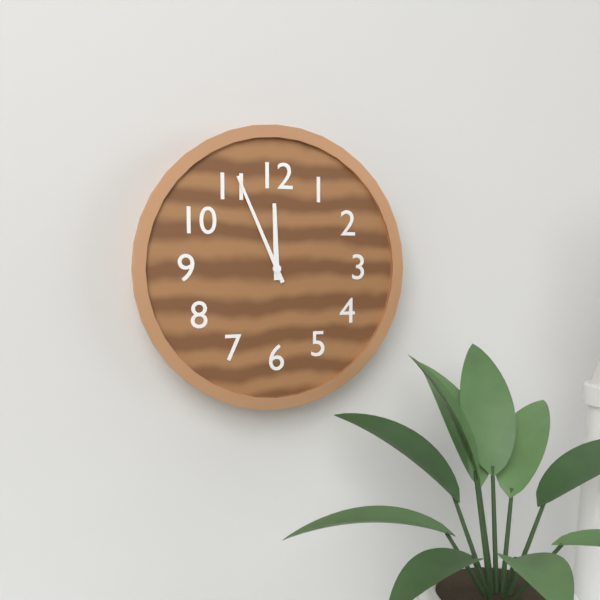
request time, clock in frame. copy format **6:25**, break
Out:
**11:56**
